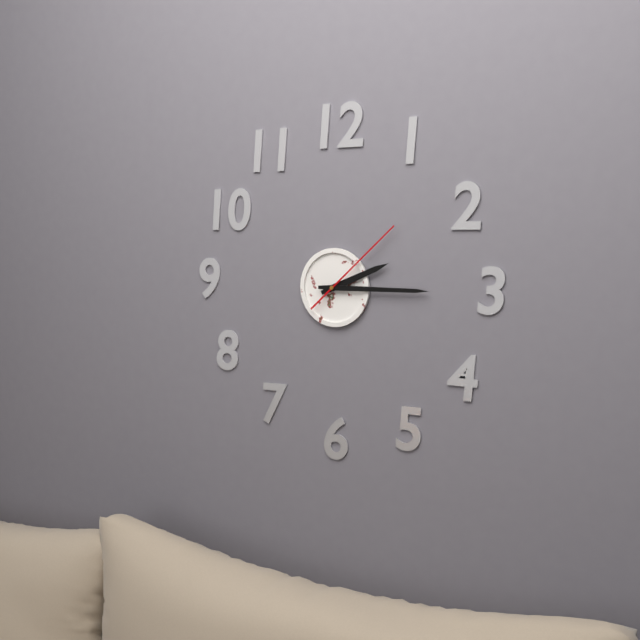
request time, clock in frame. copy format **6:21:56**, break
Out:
**2:15:08**
